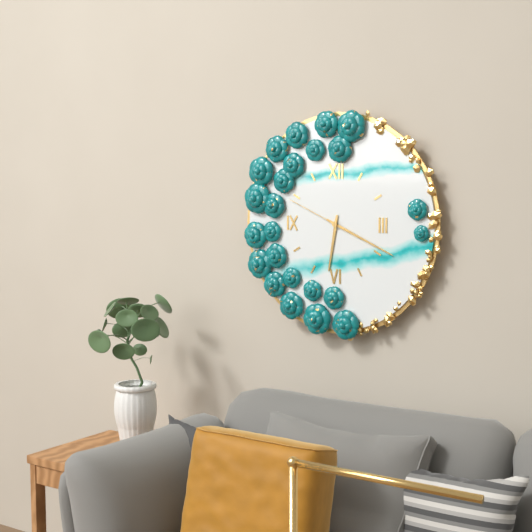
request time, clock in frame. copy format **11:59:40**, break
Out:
**6:19:49**
